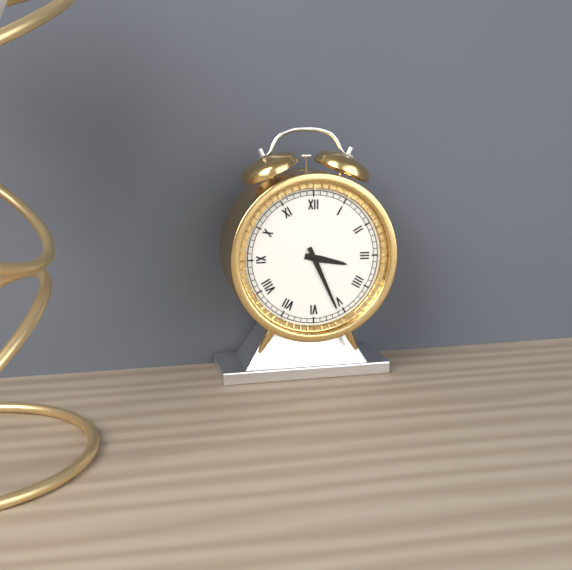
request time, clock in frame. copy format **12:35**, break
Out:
**3:26**
